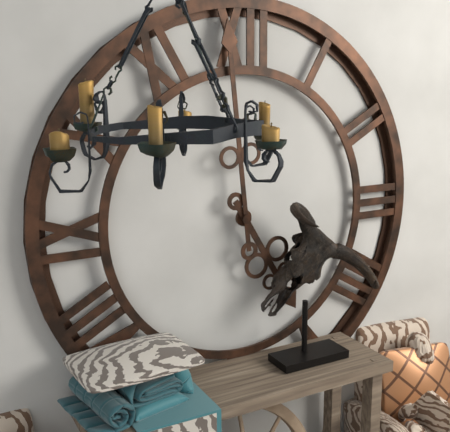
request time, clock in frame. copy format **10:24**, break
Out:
**4:59**
